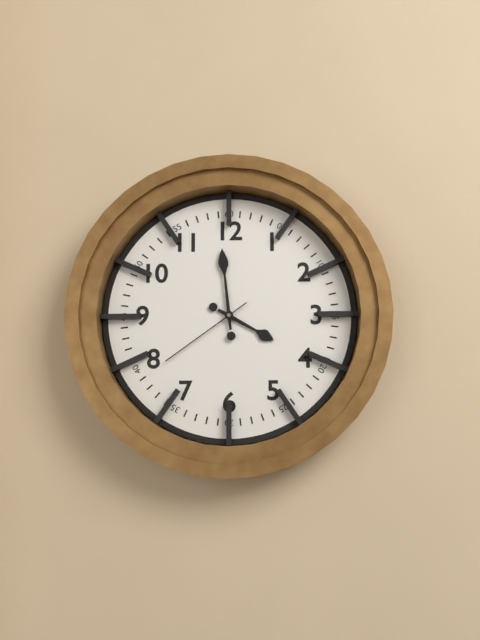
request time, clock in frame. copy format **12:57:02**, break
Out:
**3:59:39**
